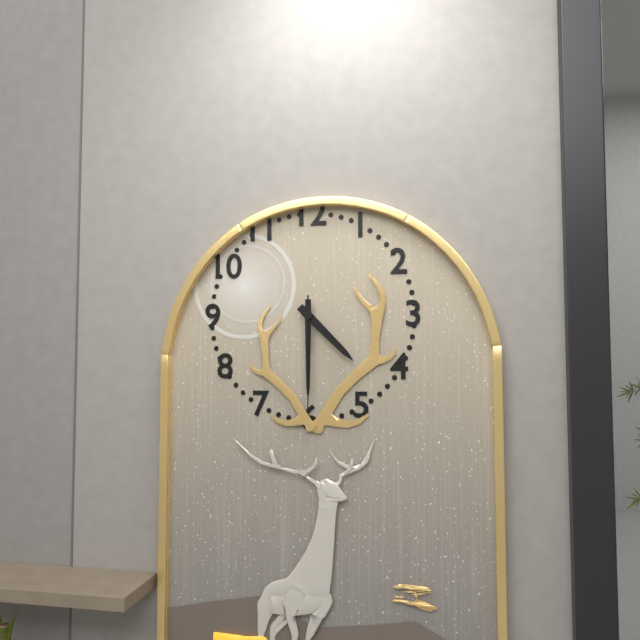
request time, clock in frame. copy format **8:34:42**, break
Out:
**4:30:30**
